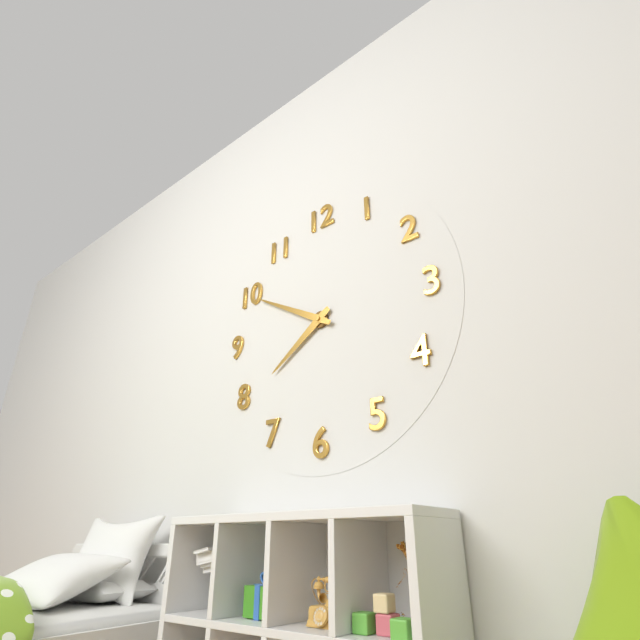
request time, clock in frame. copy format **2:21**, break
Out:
**7:50**
